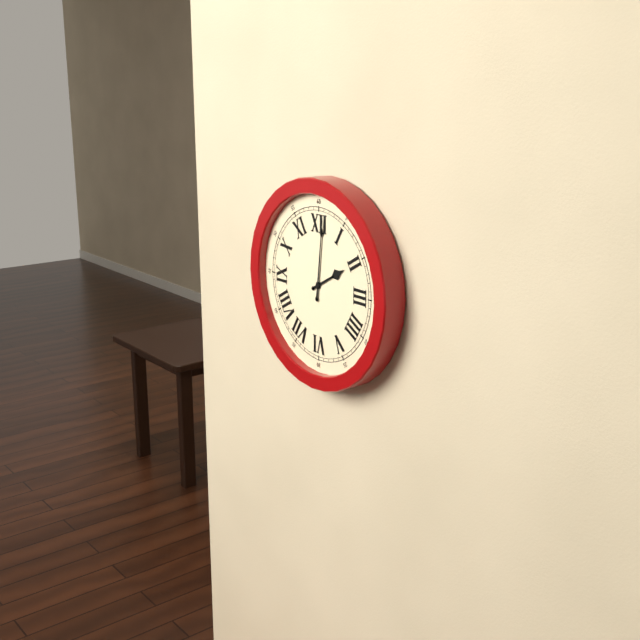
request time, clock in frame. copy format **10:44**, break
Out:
**2:01**
